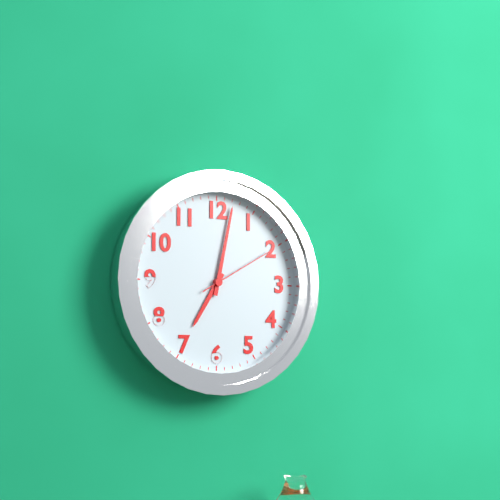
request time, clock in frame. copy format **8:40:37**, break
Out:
**7:02:10**
